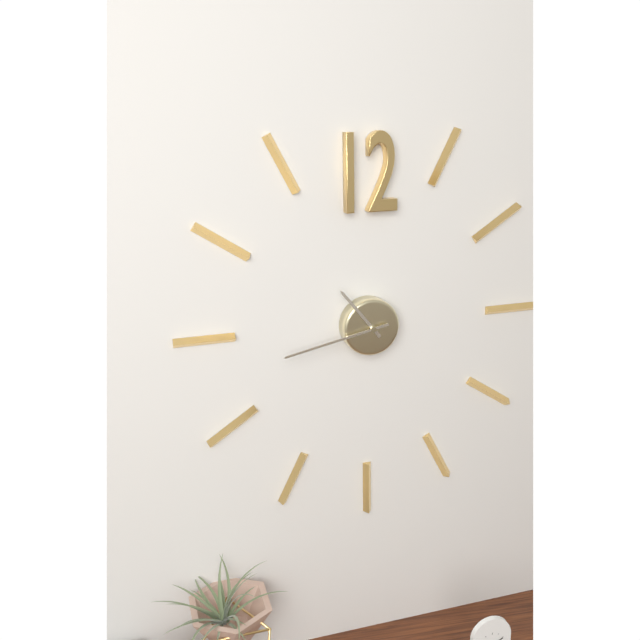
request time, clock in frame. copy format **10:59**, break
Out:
**10:43**
